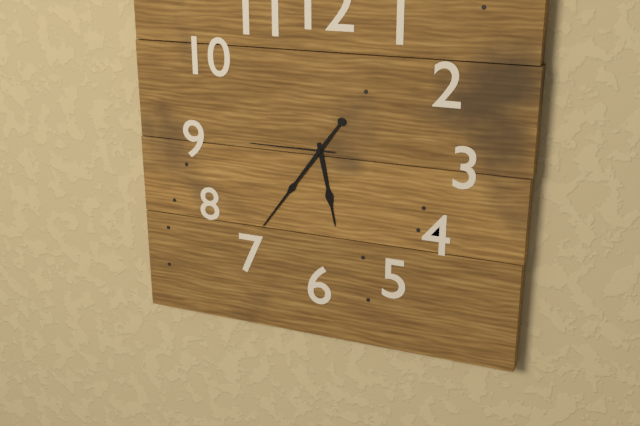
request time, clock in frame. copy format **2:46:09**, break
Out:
**5:36:45**
